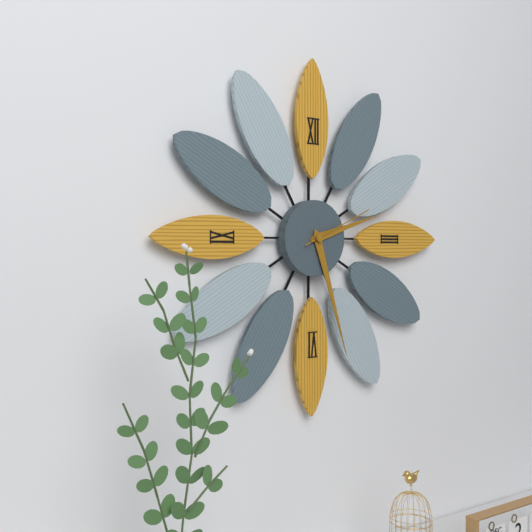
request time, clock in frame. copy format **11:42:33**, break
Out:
**2:27:11**
